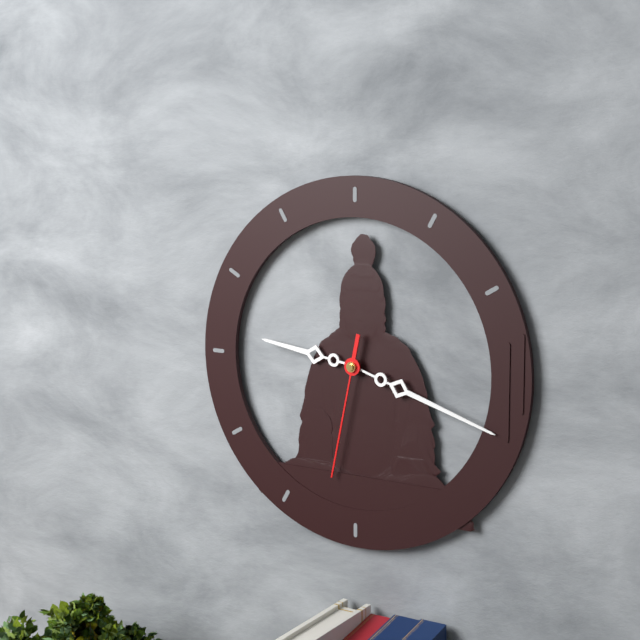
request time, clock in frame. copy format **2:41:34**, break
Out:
**9:18:32**
